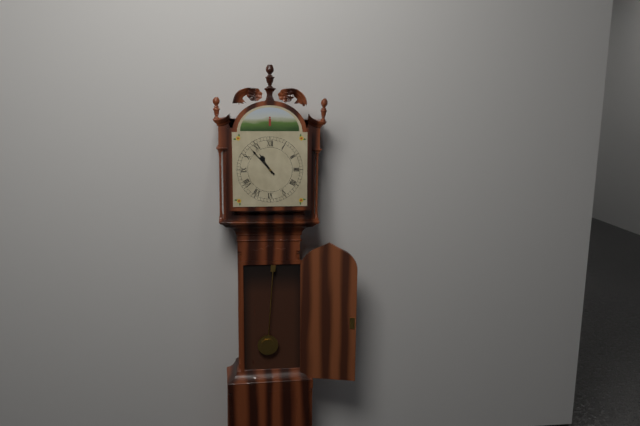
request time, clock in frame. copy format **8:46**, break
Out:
**10:53**
